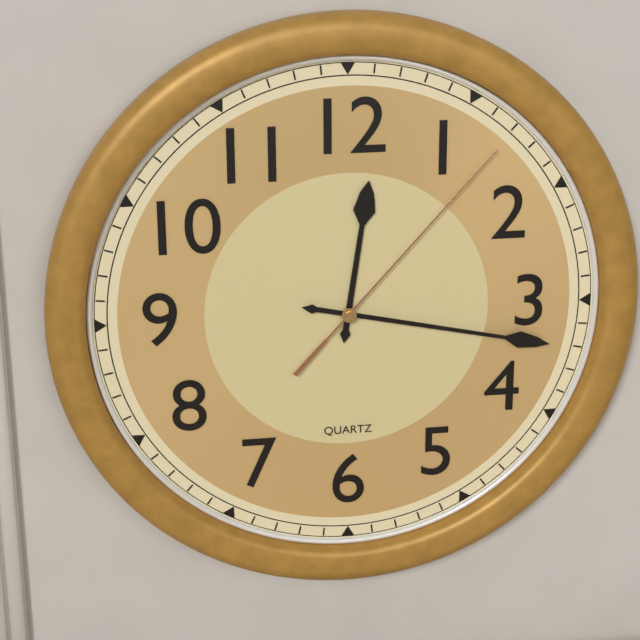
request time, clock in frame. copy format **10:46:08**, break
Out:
**12:17:07**
